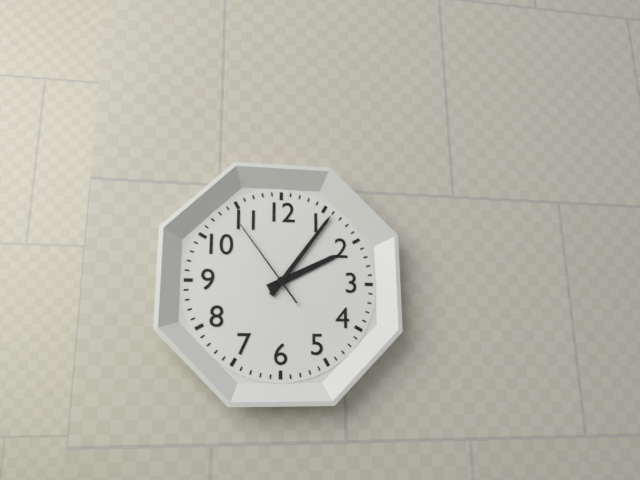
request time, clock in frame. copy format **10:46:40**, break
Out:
**2:06:54**
